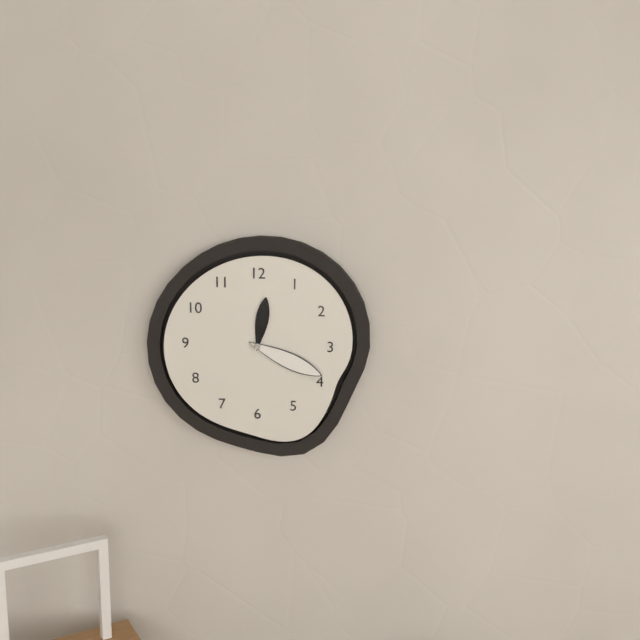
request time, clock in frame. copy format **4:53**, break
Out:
**12:19**
